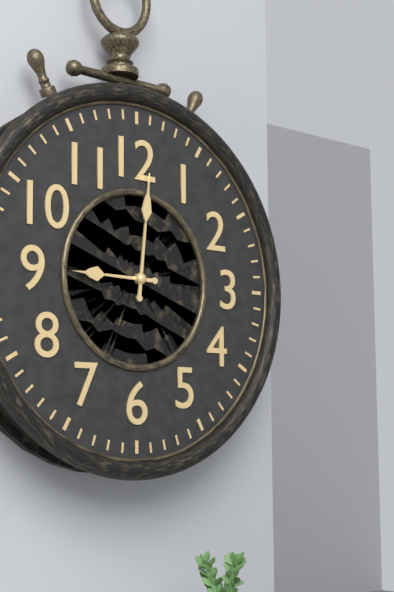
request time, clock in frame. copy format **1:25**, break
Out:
**9:01**
